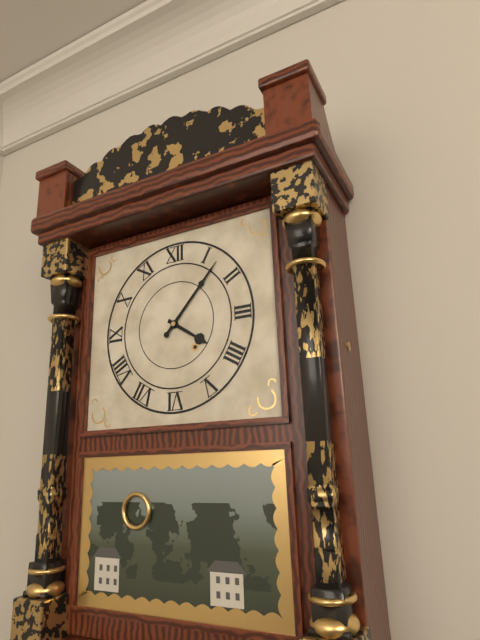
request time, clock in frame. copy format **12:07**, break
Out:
**4:07**
